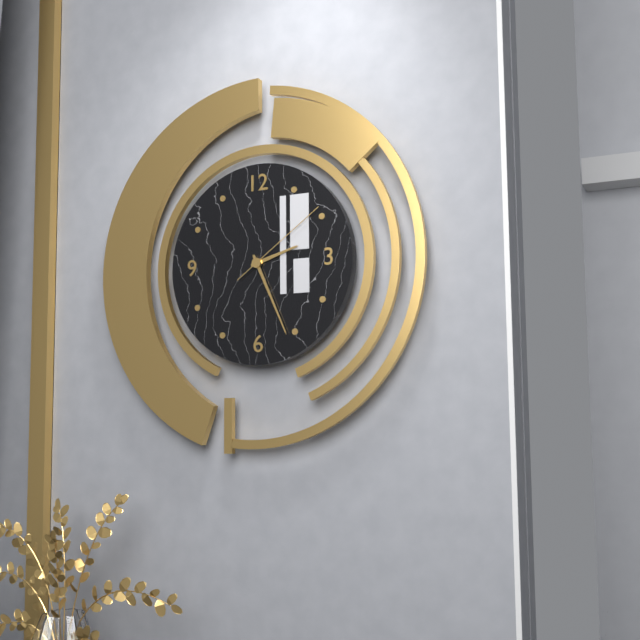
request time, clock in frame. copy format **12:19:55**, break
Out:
**2:26:09**
